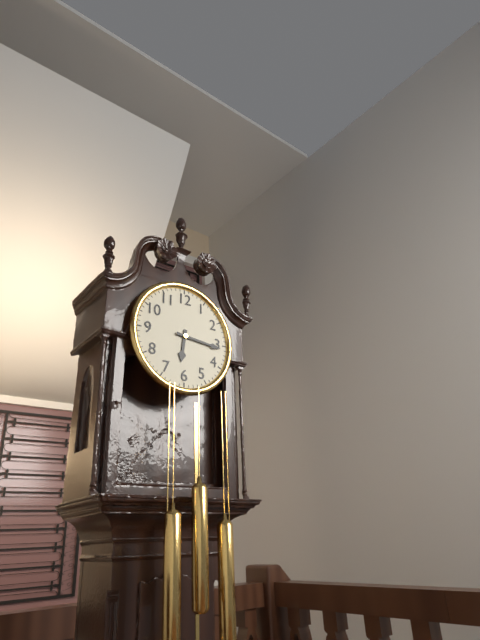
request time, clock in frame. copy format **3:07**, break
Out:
**6:16**
